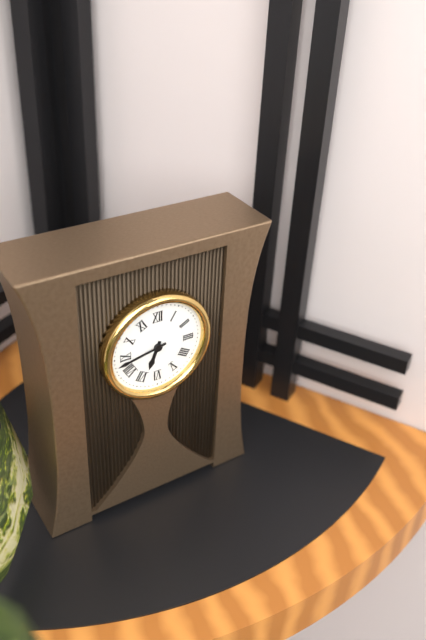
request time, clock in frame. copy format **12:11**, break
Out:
**6:43**
